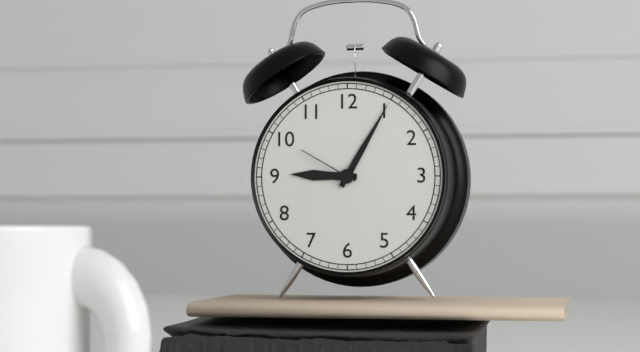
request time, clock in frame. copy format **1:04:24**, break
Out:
**9:05:50**
